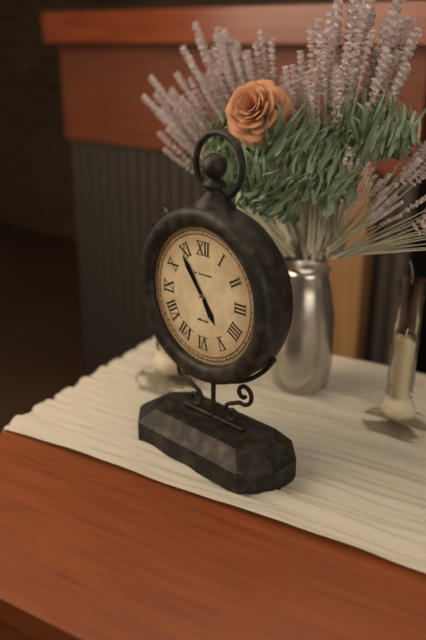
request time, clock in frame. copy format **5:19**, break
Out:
**4:54**
